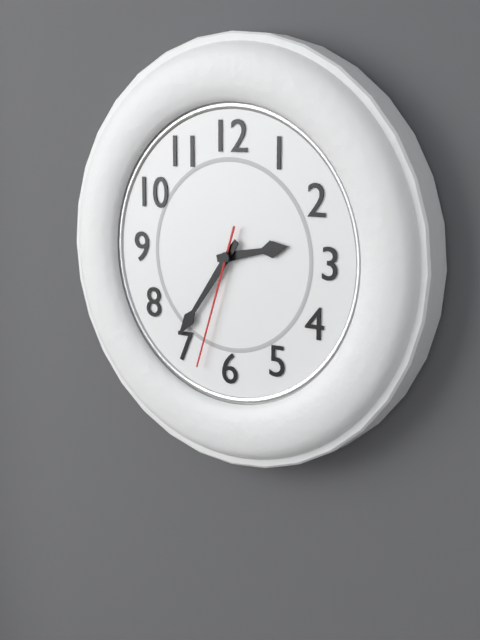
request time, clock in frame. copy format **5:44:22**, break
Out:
**2:36:33**
